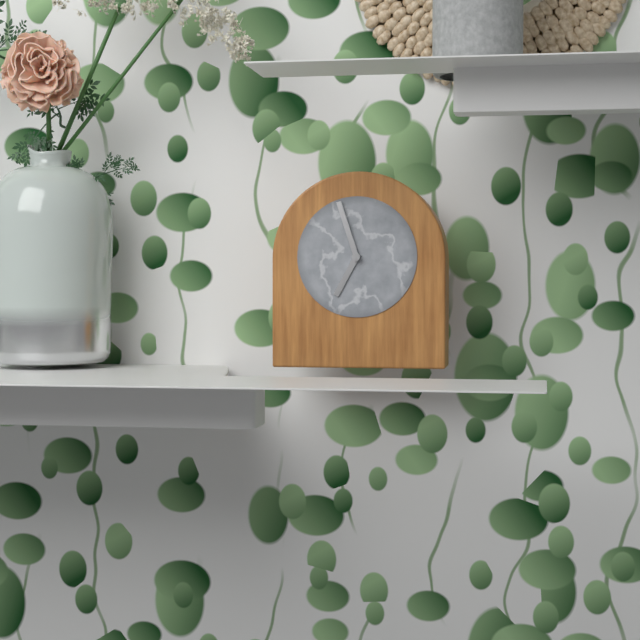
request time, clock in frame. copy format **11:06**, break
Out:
**6:57**
